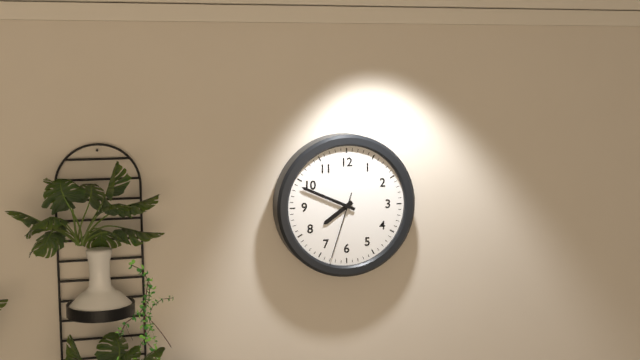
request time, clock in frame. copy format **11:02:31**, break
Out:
**7:49:33**
